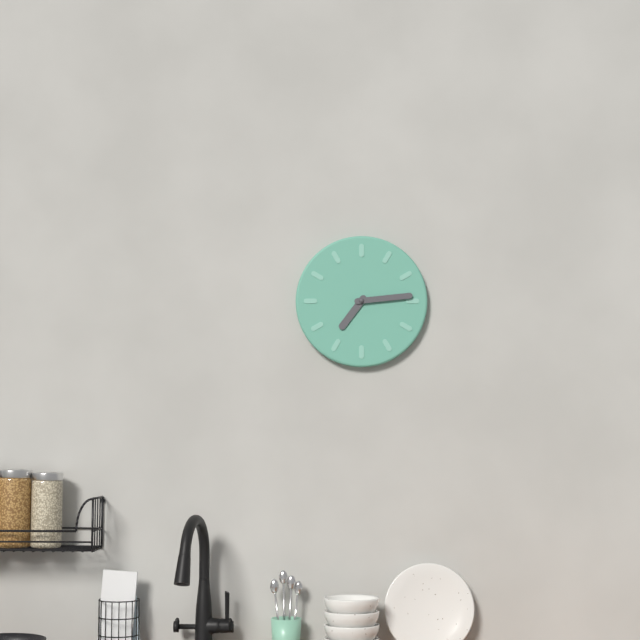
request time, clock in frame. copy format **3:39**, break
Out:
**7:14**
